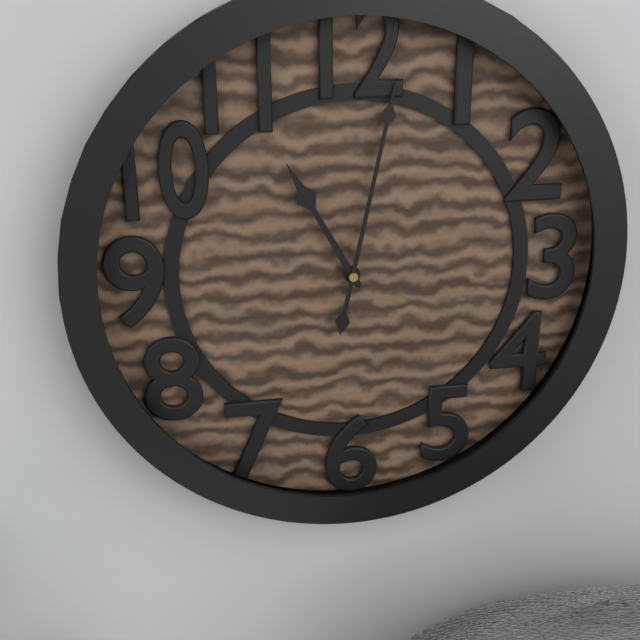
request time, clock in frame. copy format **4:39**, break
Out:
**11:02**
